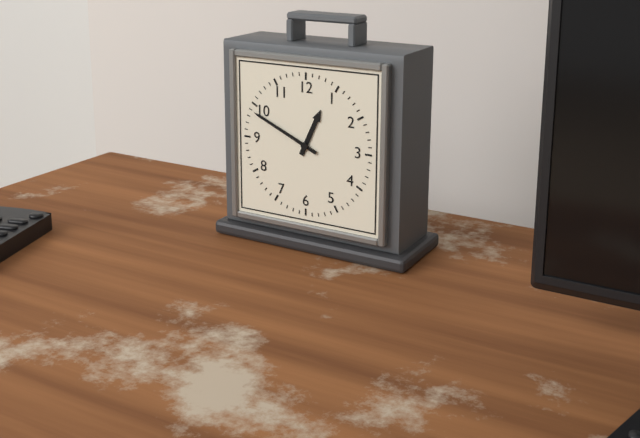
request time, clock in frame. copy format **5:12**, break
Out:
**12:49**
